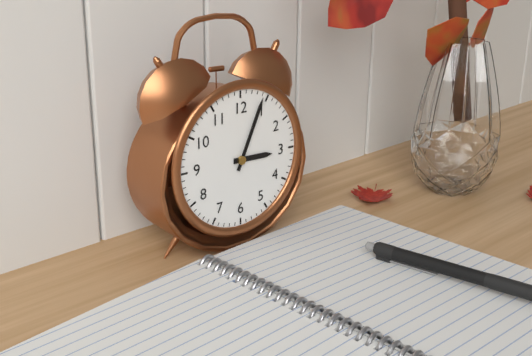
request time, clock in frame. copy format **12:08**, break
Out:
**3:04**
